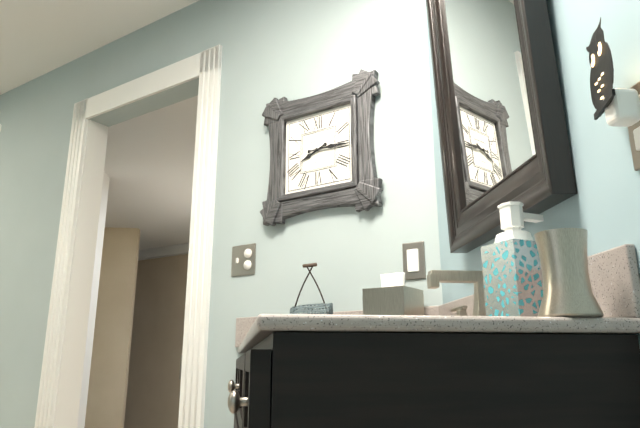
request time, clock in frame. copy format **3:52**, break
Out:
**8:15**
